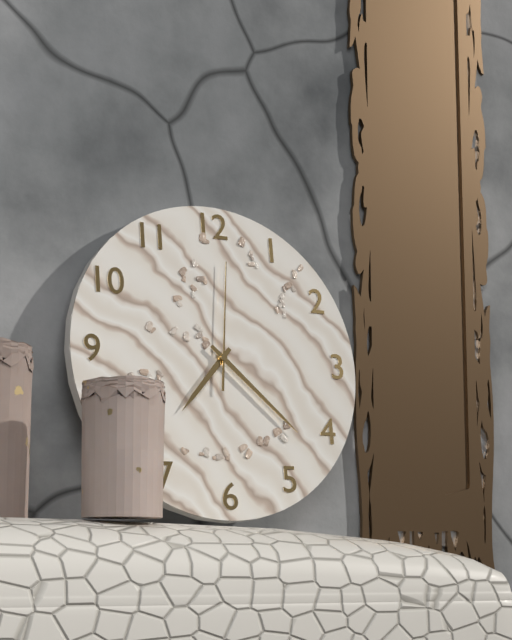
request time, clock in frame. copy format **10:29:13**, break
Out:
**7:22:01**
